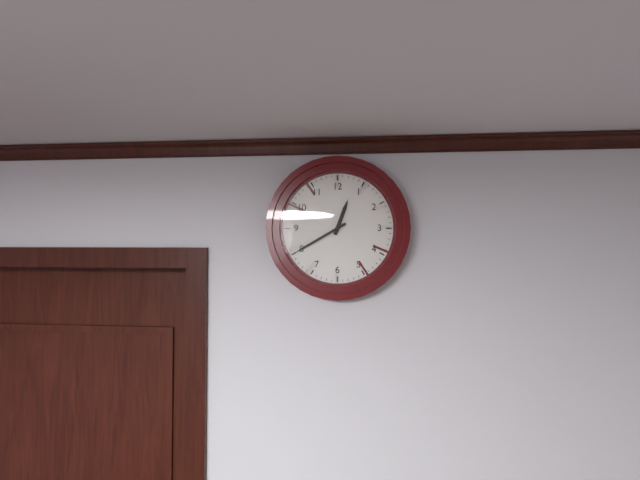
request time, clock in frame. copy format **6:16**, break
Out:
**12:40**
